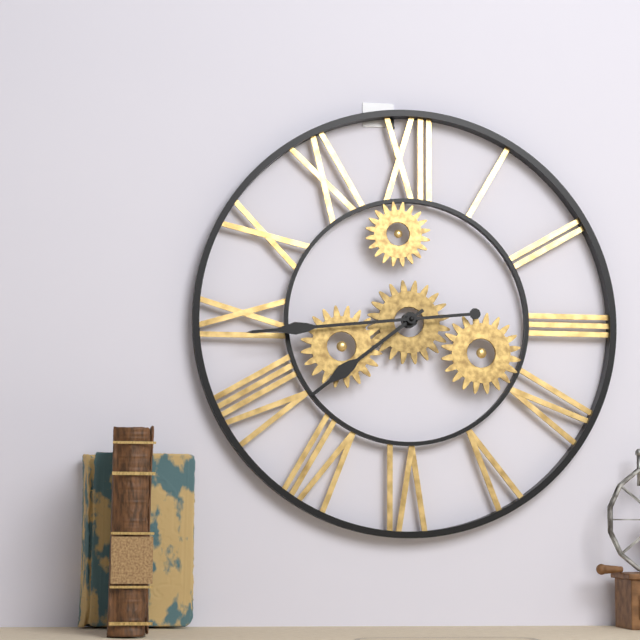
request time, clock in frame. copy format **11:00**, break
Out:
**7:44**
